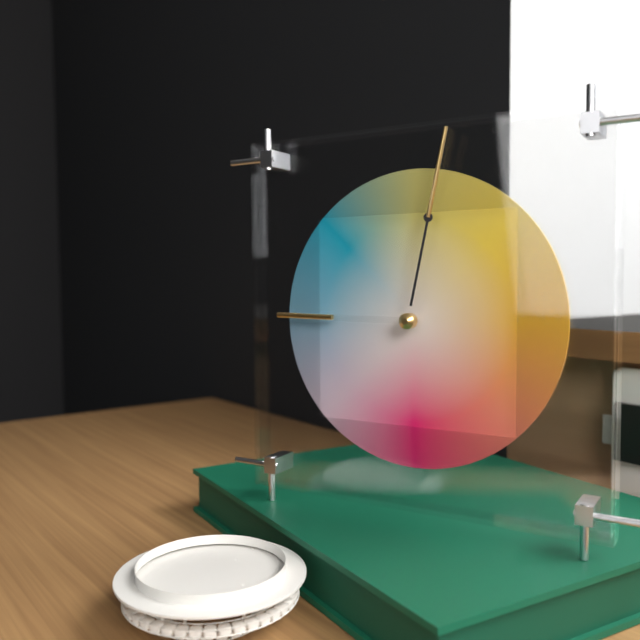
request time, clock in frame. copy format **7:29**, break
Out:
**9:02**
